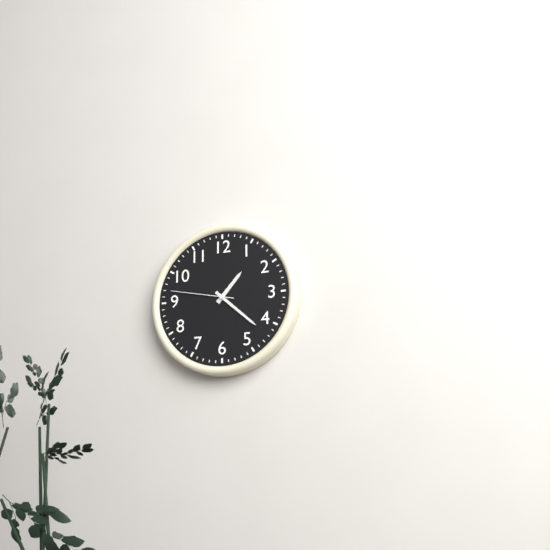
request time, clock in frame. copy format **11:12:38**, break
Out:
**1:22:47**
